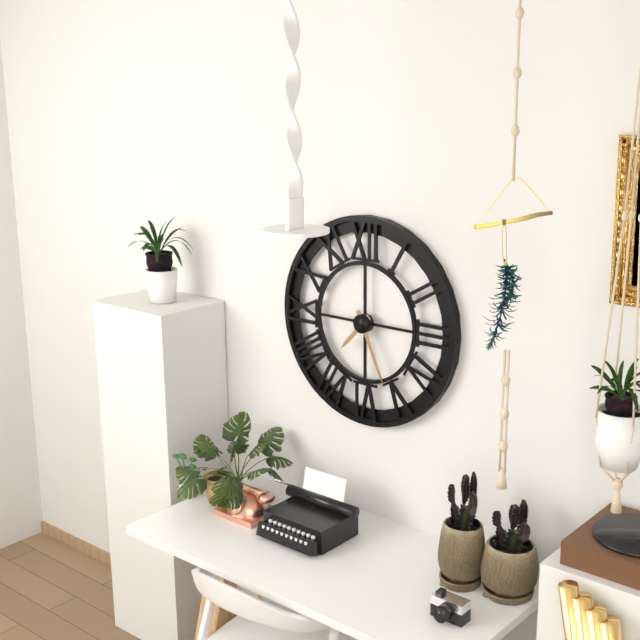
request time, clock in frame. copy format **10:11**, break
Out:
**7:26**
